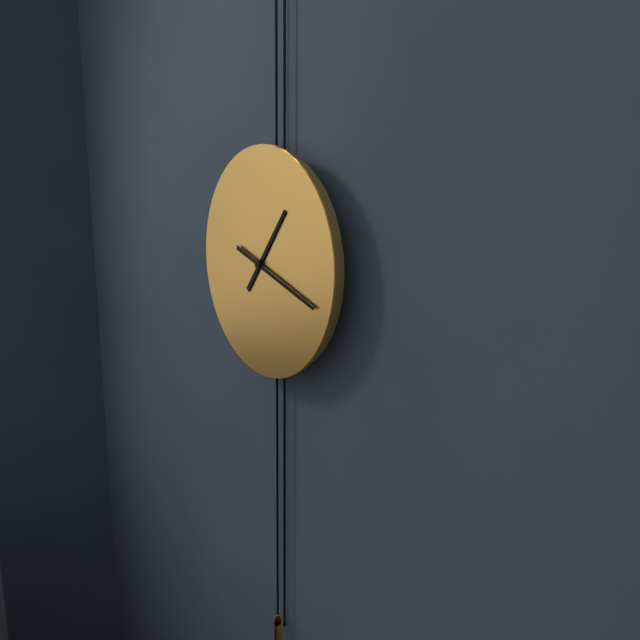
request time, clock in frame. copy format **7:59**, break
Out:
**1:18**
